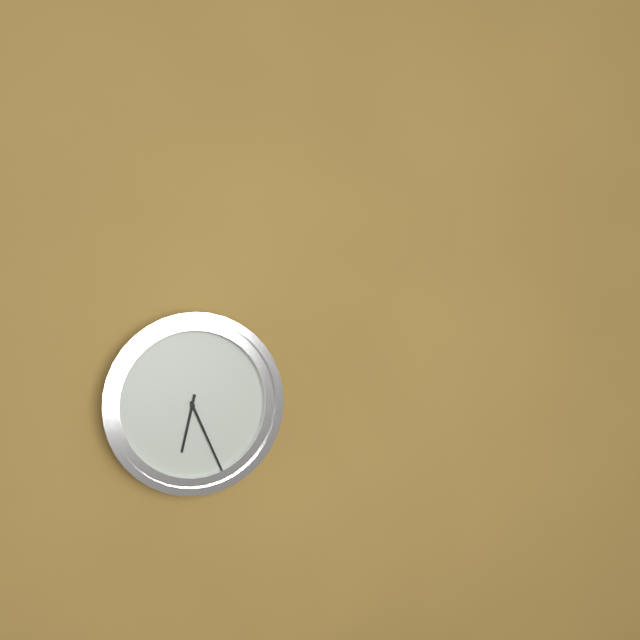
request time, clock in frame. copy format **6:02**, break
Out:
**6:26**
